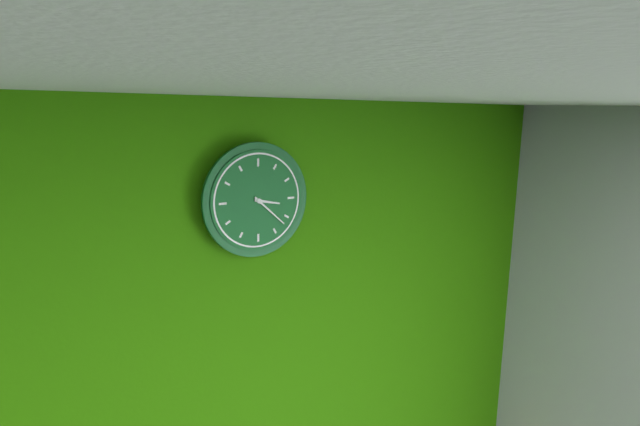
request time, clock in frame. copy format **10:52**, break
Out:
**3:22**
